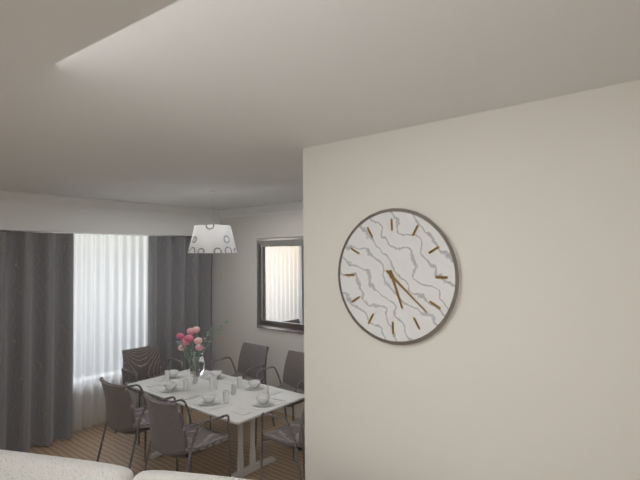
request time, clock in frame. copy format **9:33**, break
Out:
**5:22**
